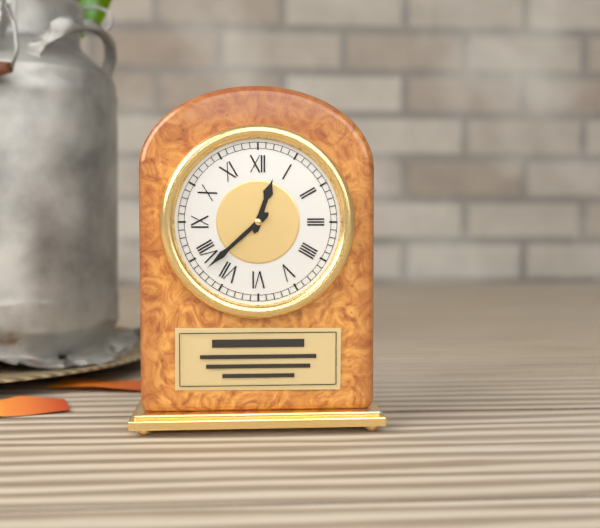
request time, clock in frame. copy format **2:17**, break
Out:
**12:38**
